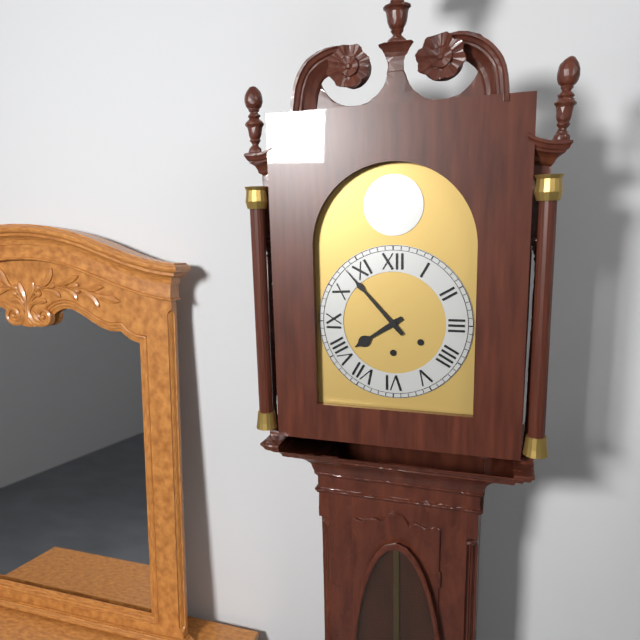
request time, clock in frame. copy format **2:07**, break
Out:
**7:53**
